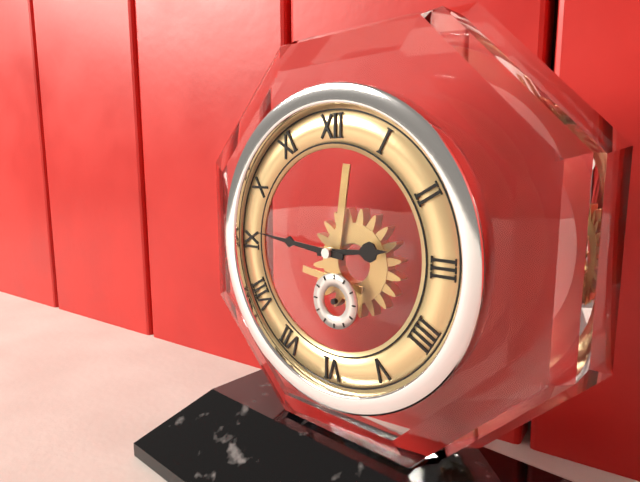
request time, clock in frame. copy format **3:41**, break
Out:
**2:46**
